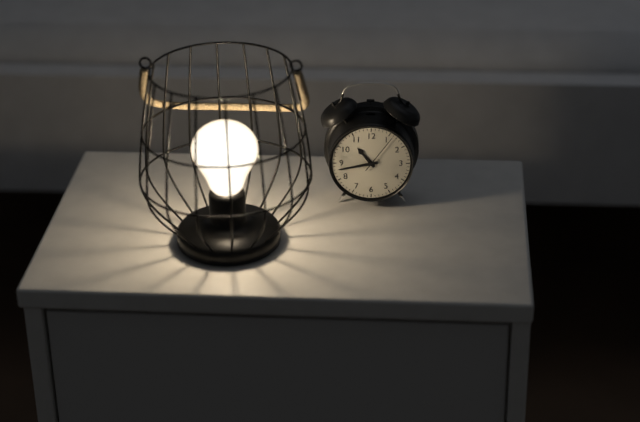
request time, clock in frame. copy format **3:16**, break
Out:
**10:43**
